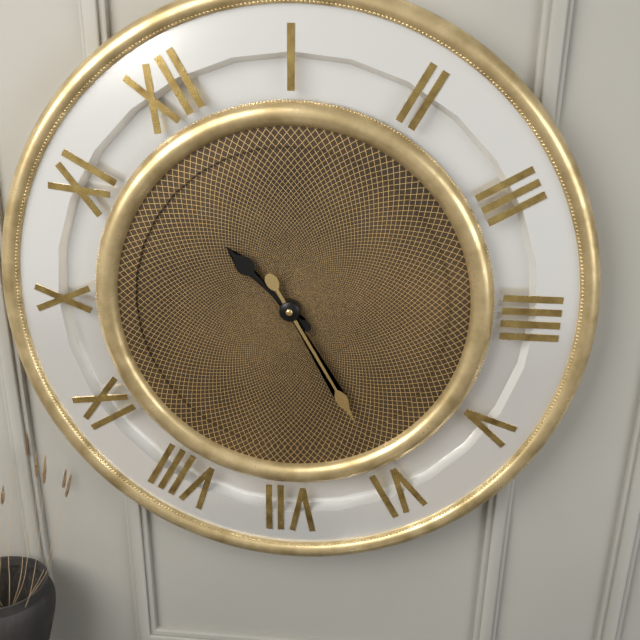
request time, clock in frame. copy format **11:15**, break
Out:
**11:30**
